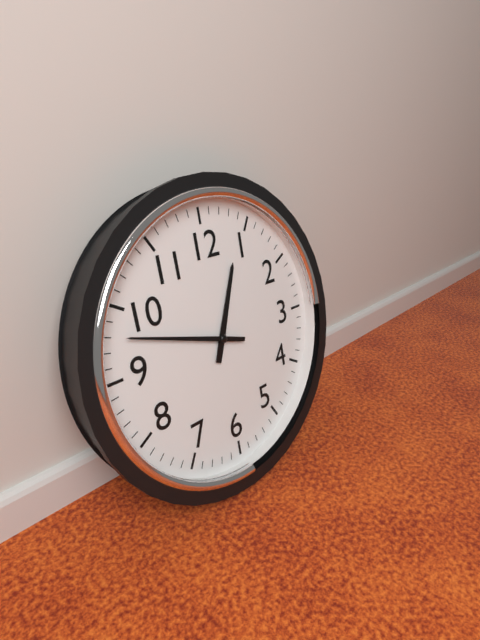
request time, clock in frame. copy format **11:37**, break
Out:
**12:48**
